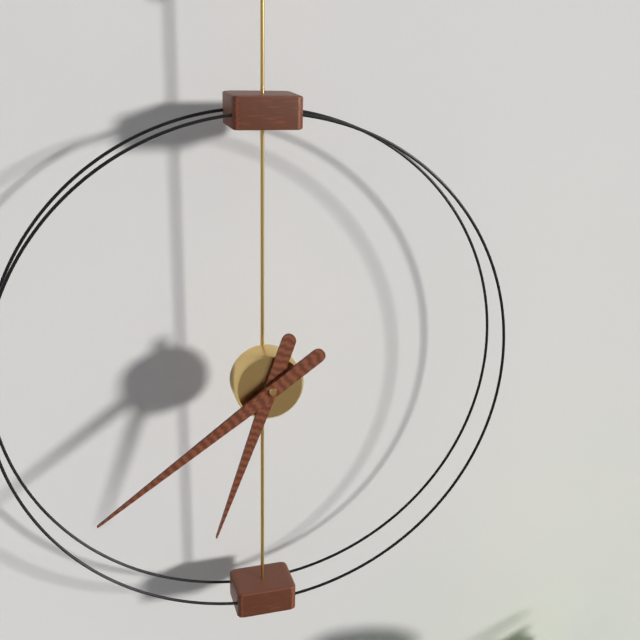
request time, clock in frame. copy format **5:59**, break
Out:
**6:39**
